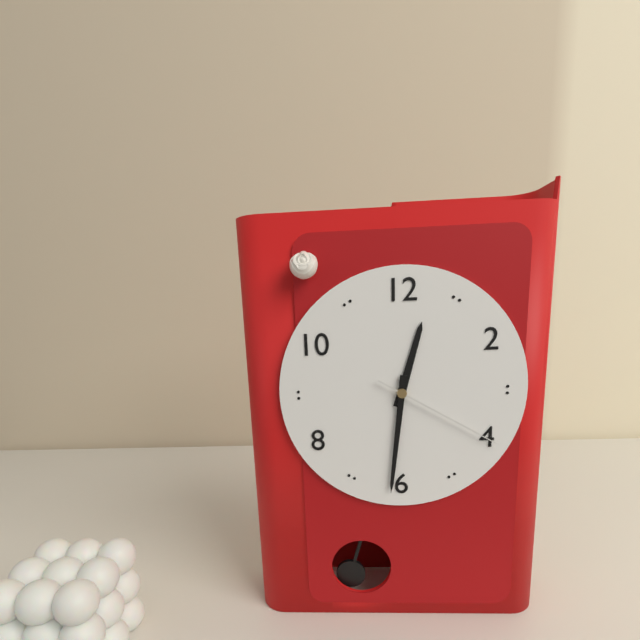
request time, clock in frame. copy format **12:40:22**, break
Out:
**12:31:20**
